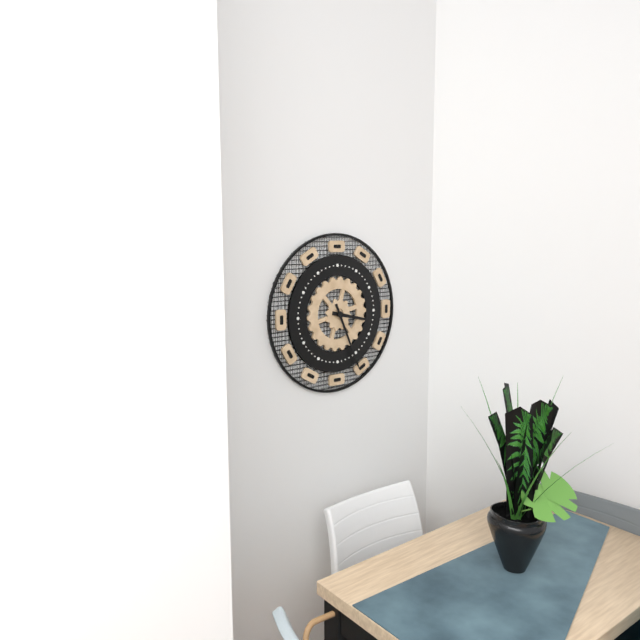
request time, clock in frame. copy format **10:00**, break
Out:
**3:26**
